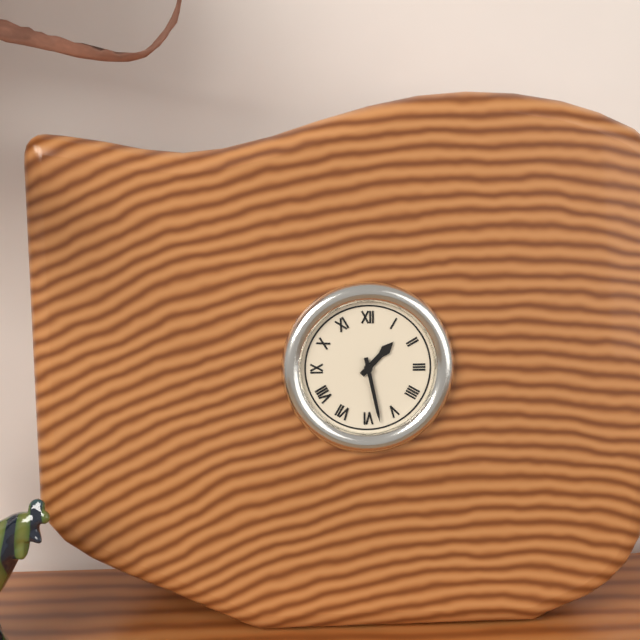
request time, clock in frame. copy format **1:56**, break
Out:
**1:28**
